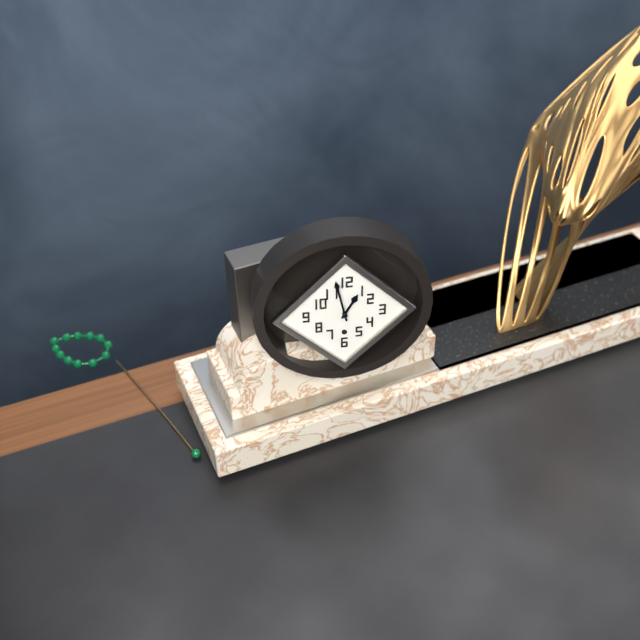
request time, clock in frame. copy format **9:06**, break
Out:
**12:58**
